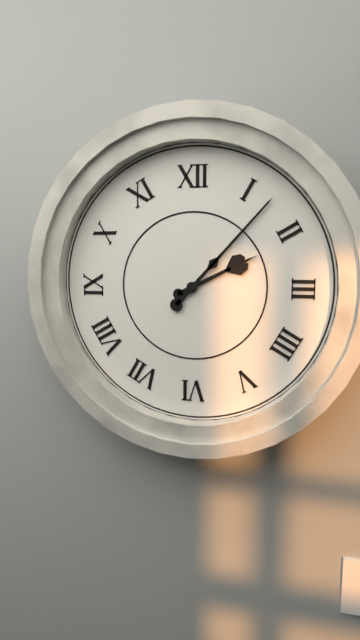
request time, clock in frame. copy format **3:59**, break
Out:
**2:07**
